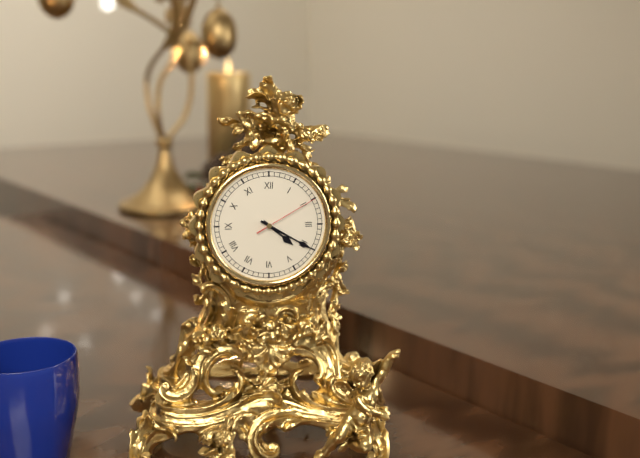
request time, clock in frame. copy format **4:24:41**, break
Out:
**4:20:10**
